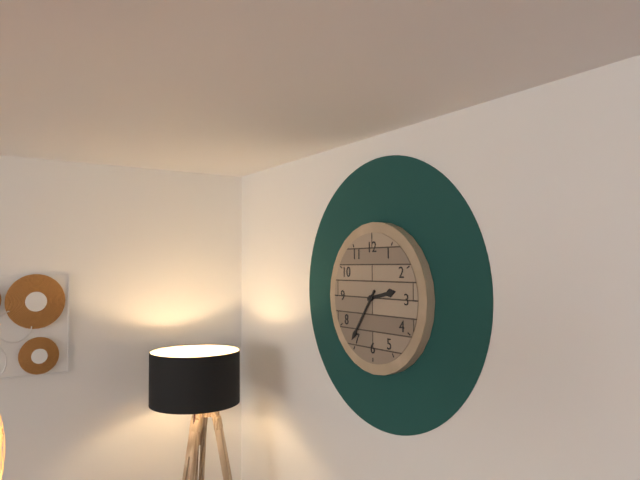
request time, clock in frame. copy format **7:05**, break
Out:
**2:36**
